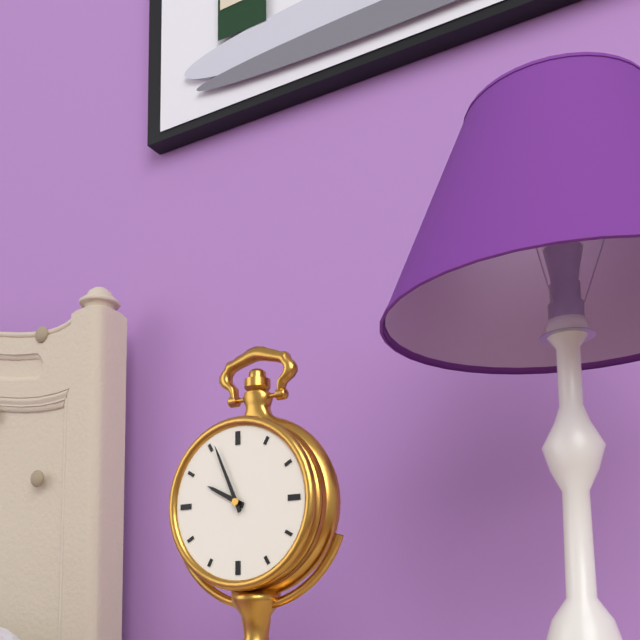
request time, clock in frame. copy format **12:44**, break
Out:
**9:56**
